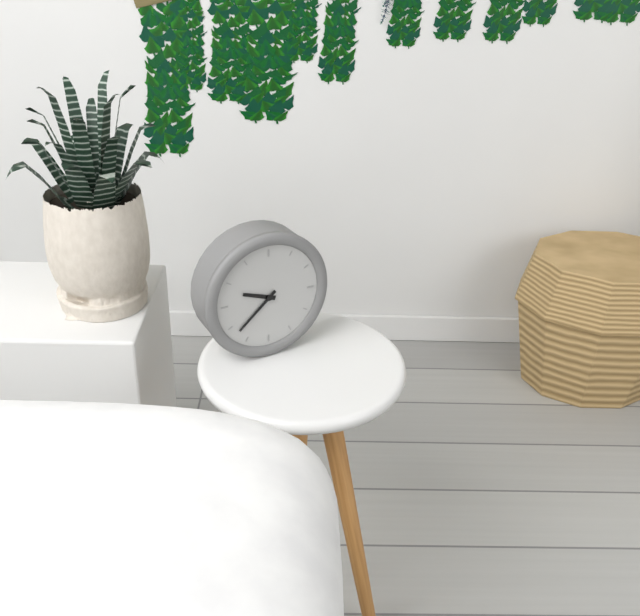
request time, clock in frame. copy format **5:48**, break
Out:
**9:38**
